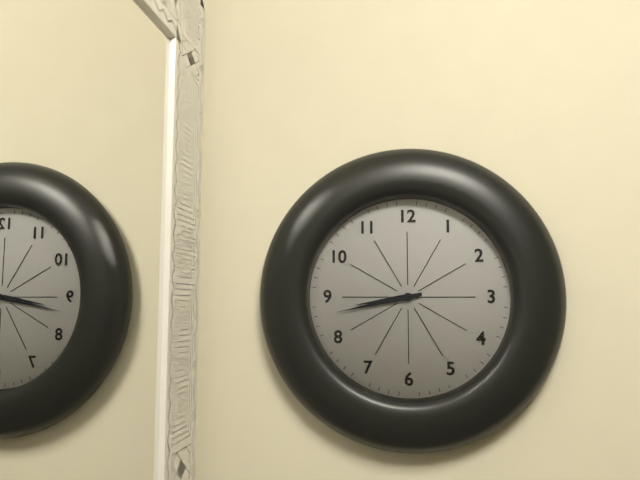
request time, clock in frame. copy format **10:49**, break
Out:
**8:43**
